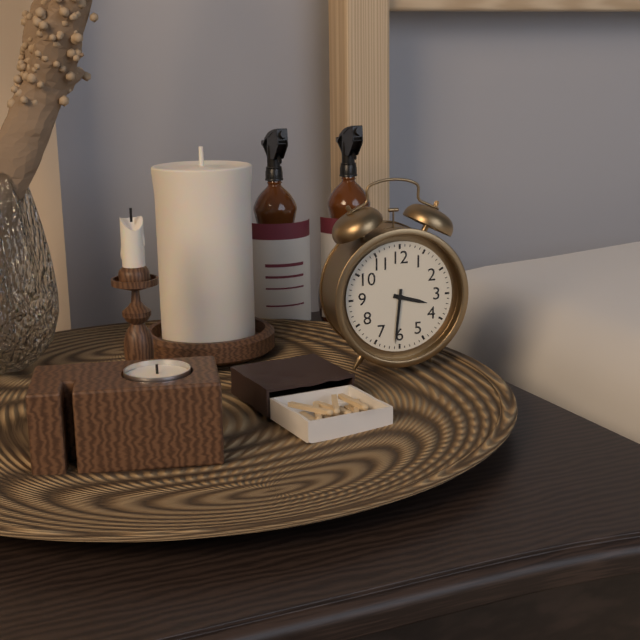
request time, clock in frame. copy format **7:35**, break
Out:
**3:31**
